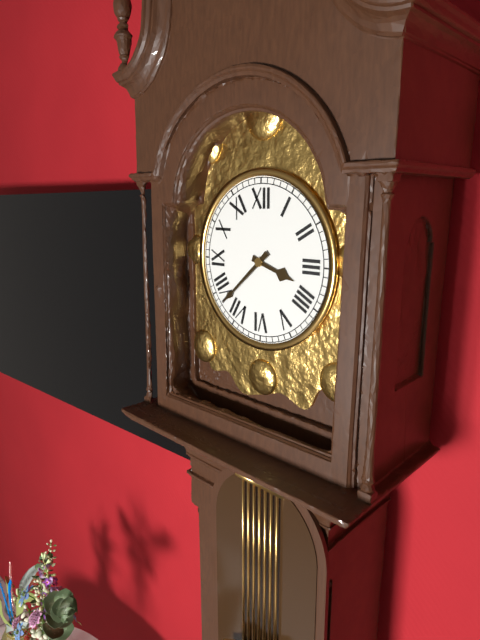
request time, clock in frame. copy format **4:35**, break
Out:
**3:38**
